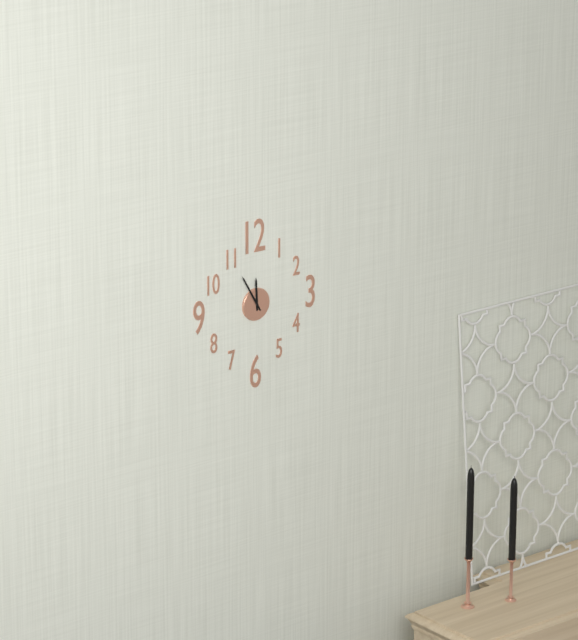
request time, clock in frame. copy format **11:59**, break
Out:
**11:55**
